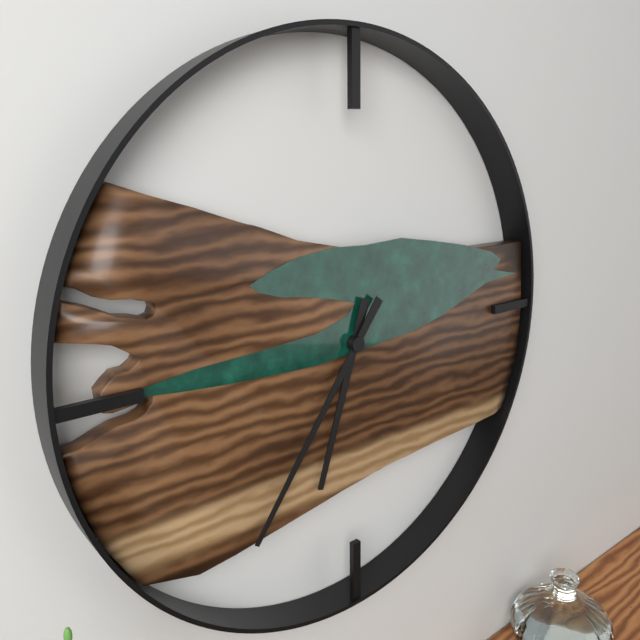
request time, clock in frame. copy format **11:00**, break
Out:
**6:36**
